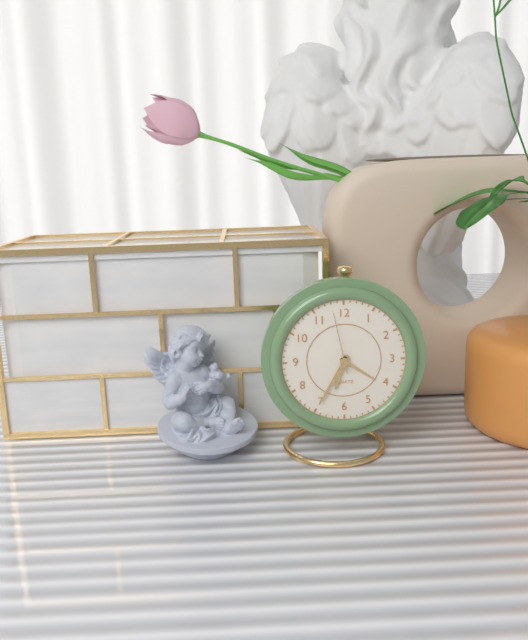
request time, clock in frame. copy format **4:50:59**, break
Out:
**6:35:58**
